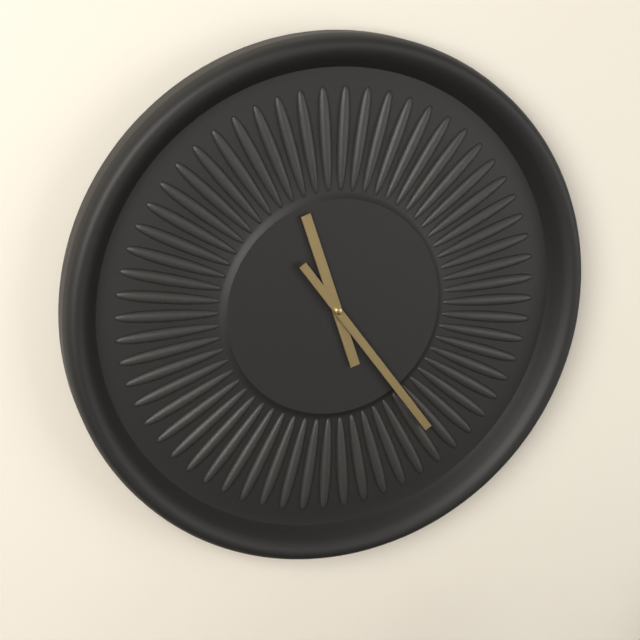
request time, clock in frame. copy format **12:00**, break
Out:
**11:24**
